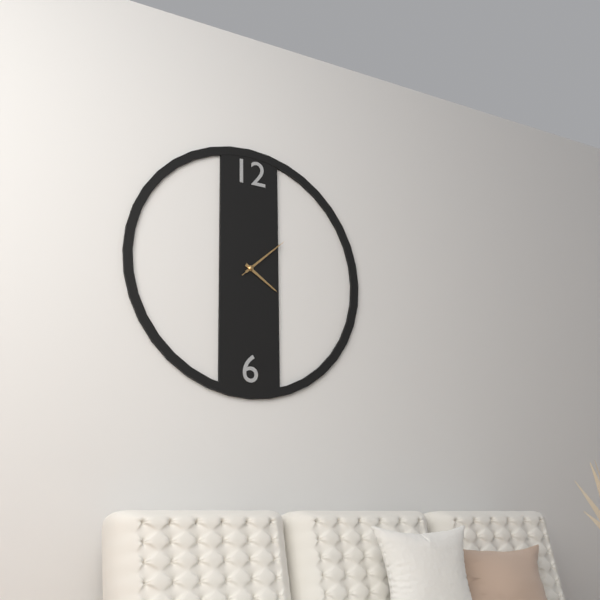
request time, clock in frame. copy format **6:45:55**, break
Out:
**4:08:08**
